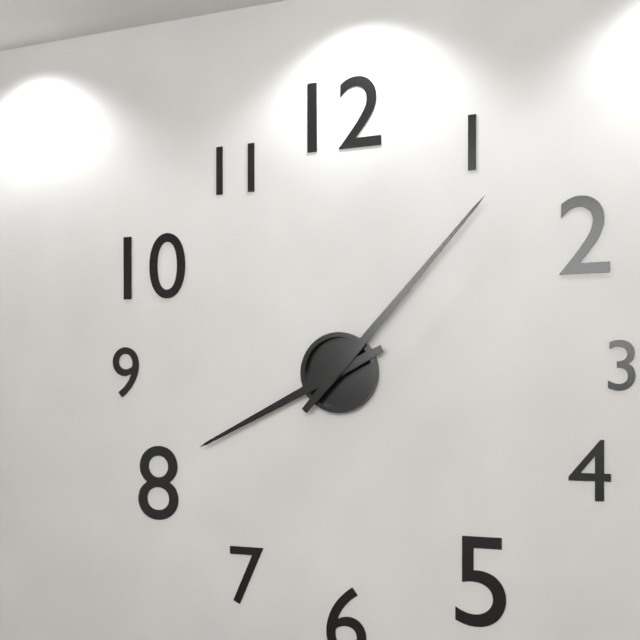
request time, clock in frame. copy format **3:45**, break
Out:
**8:07**
